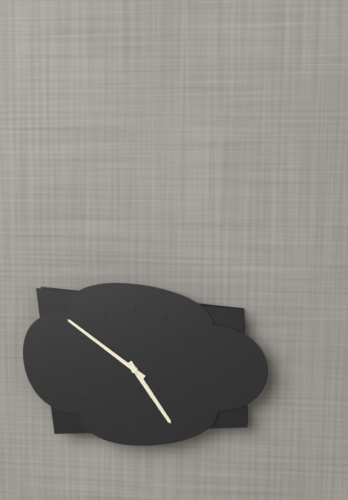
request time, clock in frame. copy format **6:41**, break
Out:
**4:51**
